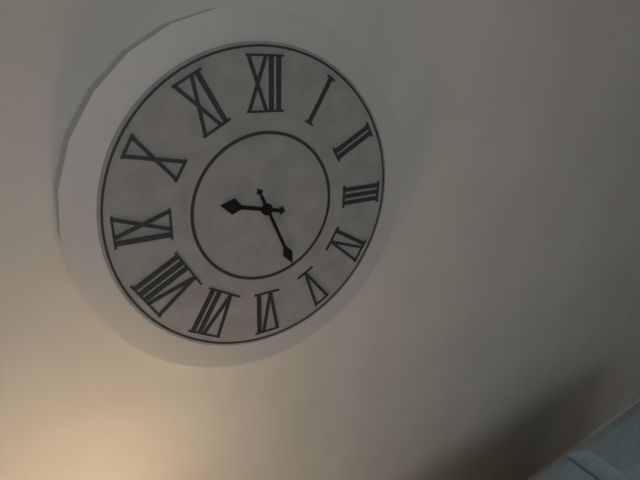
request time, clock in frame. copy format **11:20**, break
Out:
**9:26**
